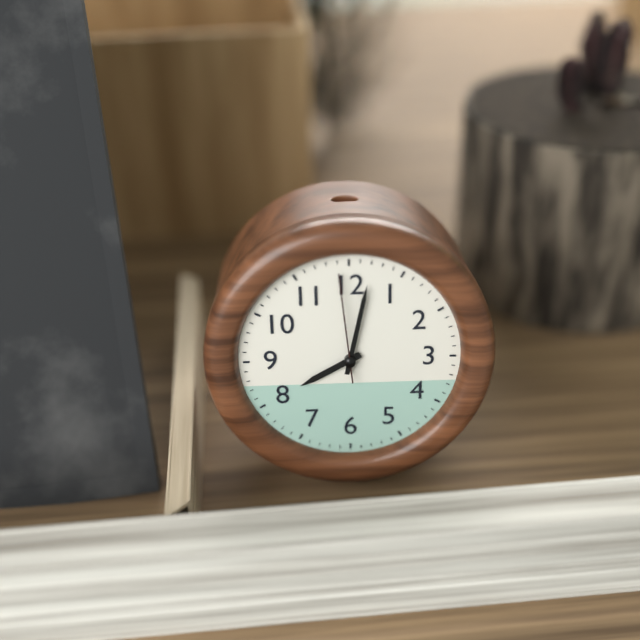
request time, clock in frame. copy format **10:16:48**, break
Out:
**8:02:59**
